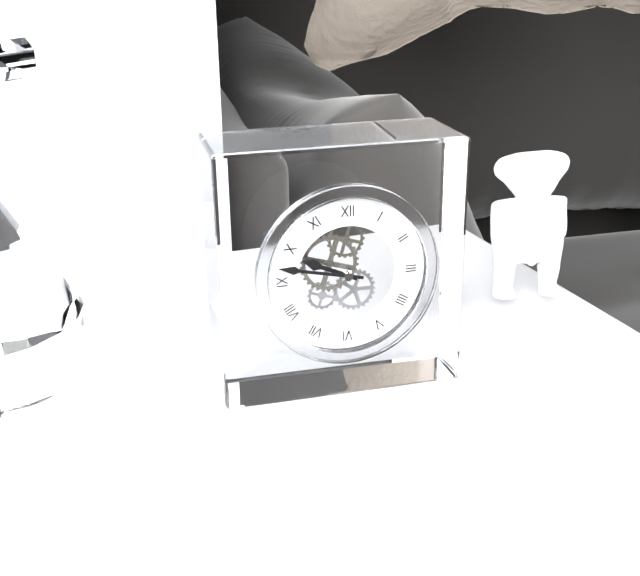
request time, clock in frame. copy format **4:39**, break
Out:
**9:47**
